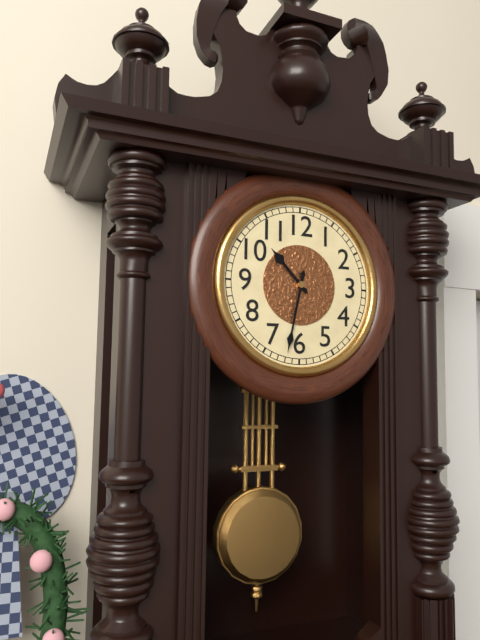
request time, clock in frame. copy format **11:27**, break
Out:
**10:32**
